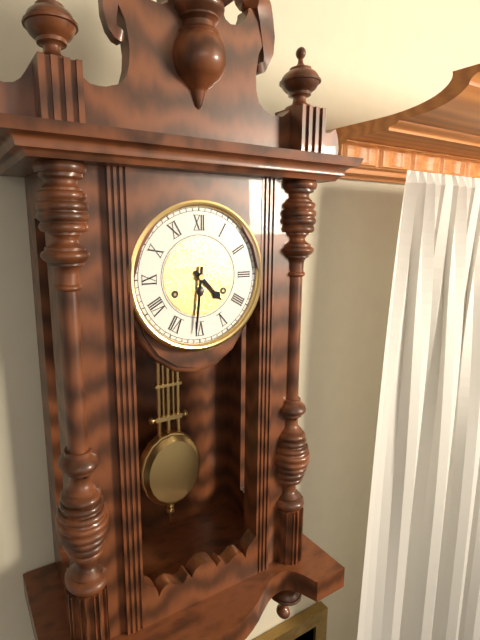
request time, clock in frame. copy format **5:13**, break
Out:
**4:31**
